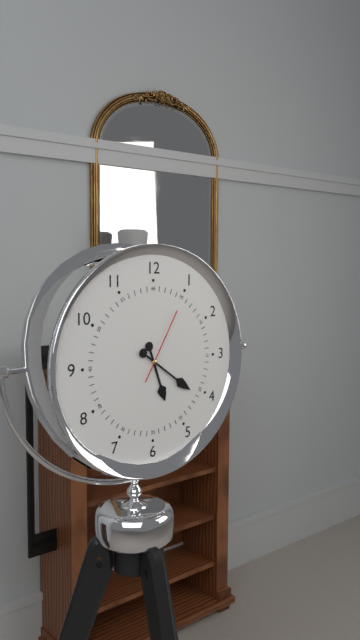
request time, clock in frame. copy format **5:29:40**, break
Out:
**5:21:05**
